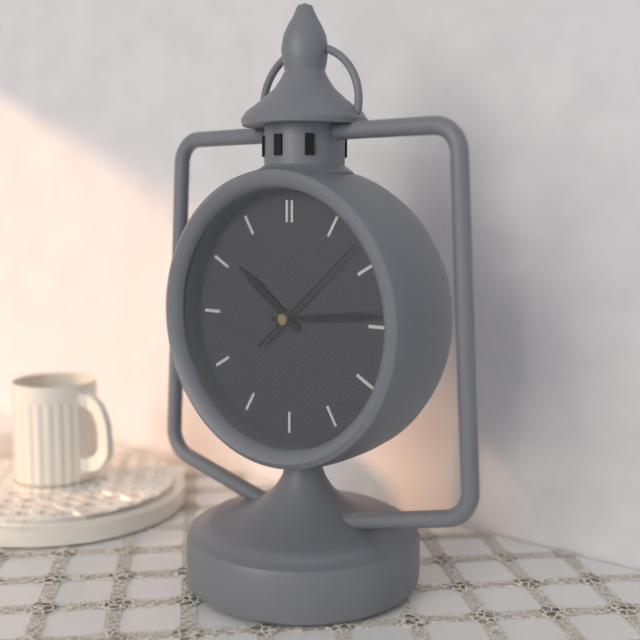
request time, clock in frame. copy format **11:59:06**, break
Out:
**10:14:08**
